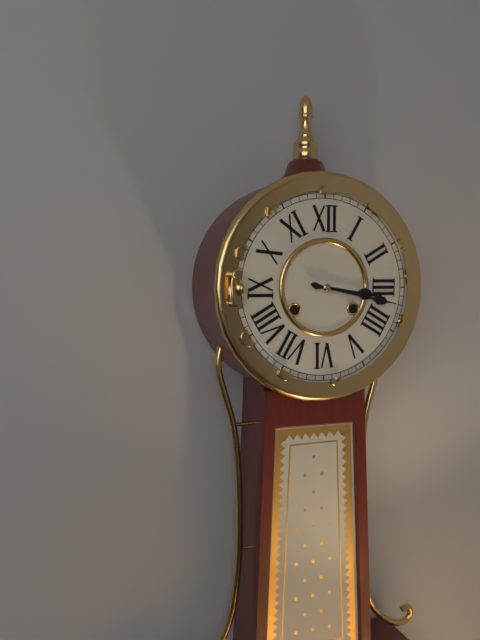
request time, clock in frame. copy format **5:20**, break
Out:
**3:17**
